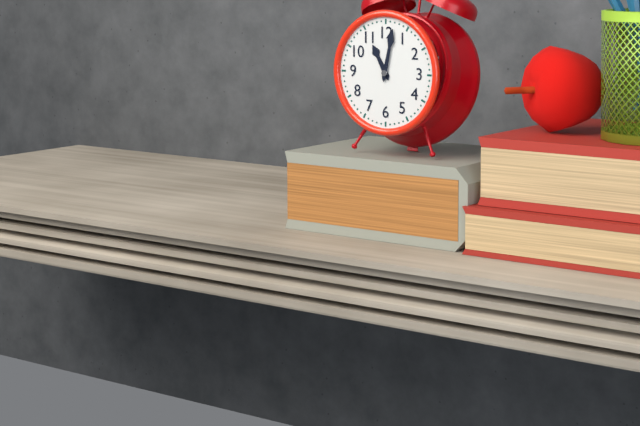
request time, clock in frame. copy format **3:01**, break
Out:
**11:02**
